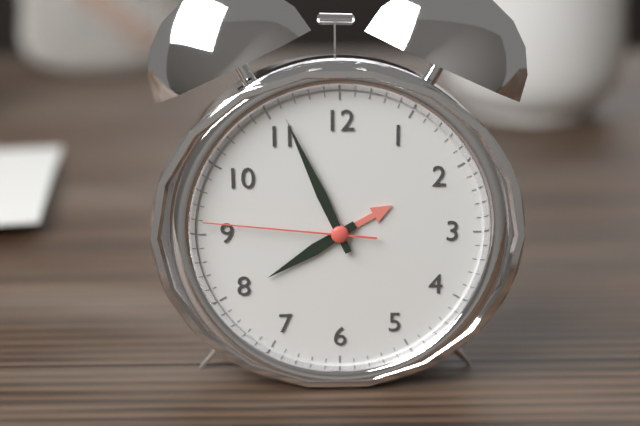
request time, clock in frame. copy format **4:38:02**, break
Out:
**7:56:46**
